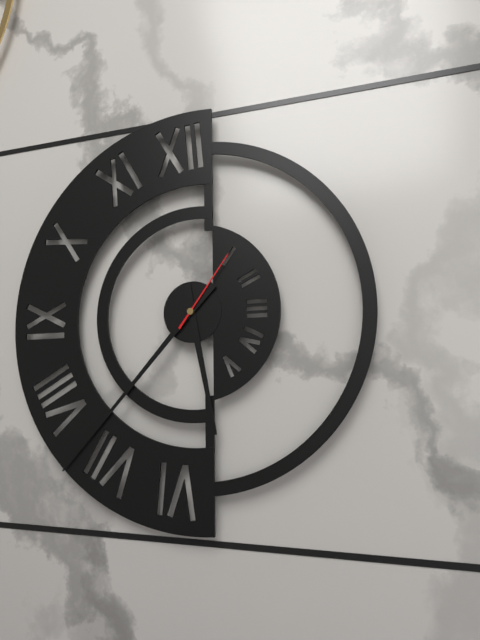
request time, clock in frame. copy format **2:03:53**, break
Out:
**5:37:06**
